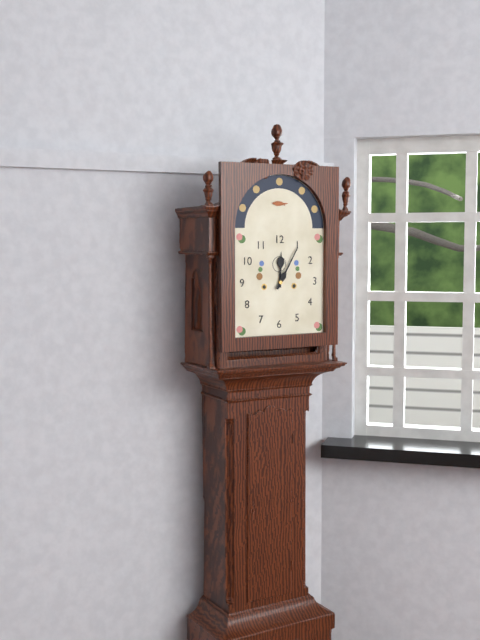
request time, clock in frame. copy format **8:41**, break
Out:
**12:05**
